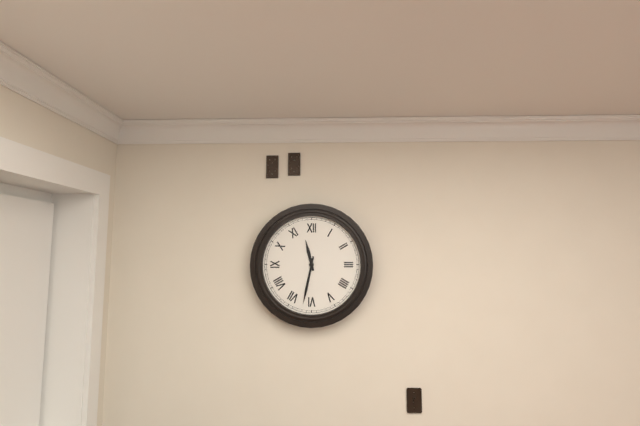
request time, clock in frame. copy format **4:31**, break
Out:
**11:32**
